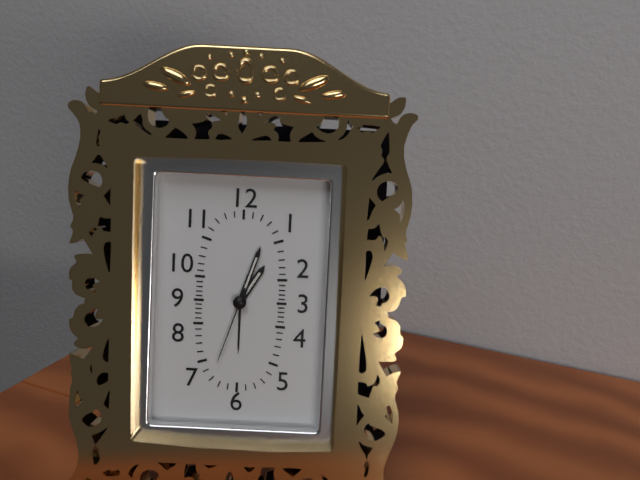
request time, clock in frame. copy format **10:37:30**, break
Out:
**1:03:33**
